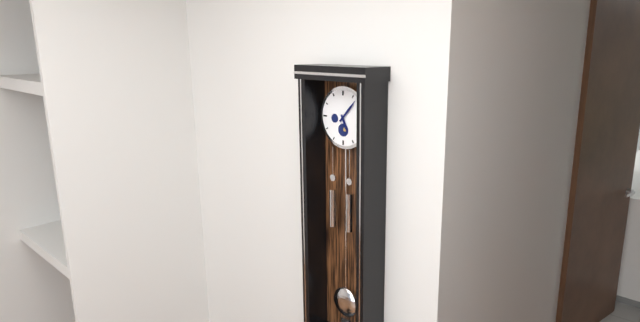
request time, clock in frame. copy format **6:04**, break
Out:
**5:07**
